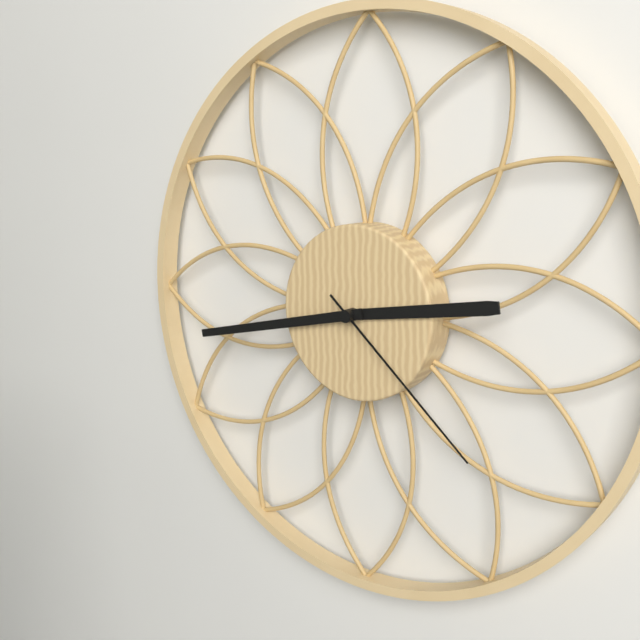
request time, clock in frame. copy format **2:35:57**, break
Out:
**2:43:22**
